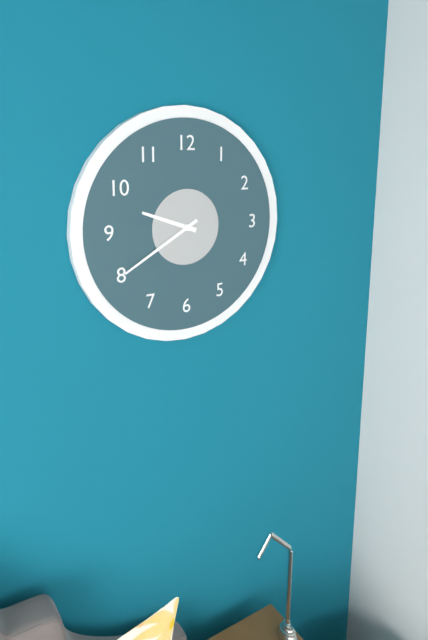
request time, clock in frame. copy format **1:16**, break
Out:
**9:40**
